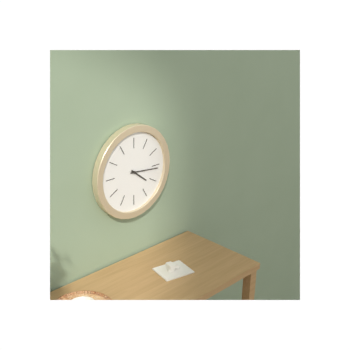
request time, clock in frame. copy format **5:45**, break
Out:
**4:16**
